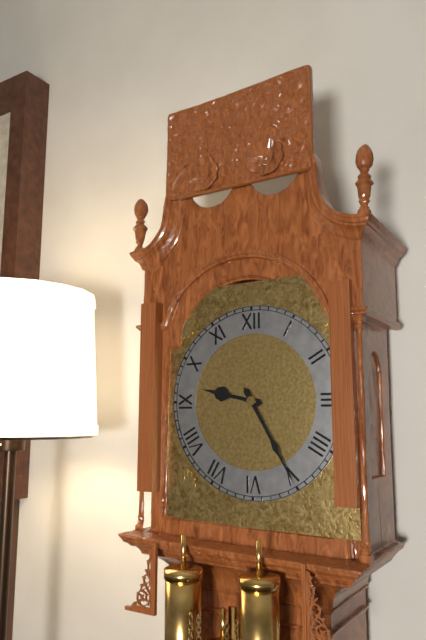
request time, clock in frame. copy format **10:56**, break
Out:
**9:25**
